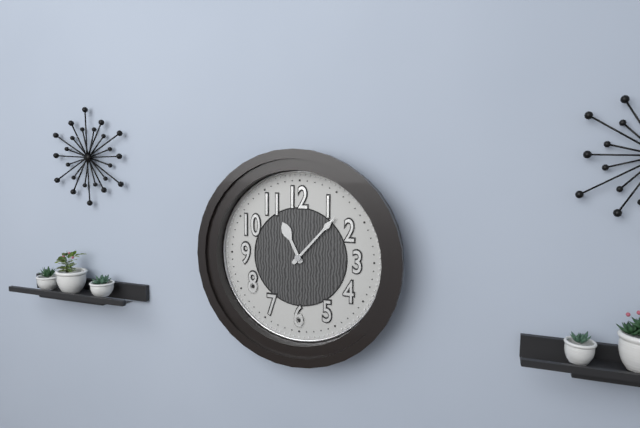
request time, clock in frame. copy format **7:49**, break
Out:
**11:07**
